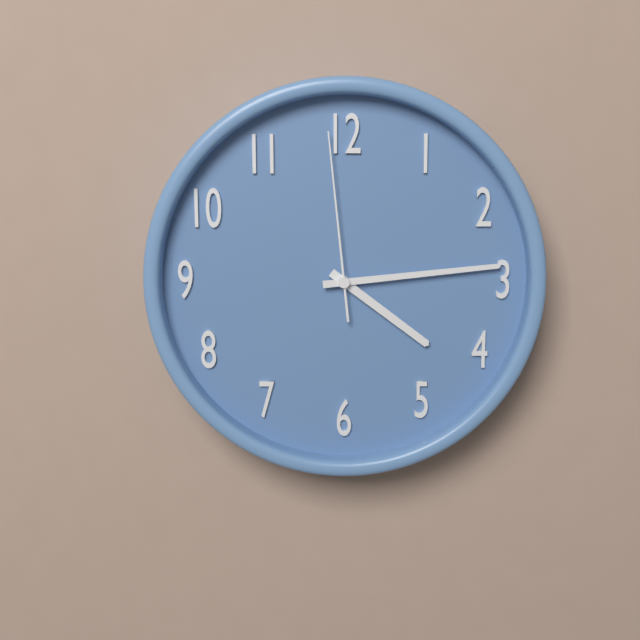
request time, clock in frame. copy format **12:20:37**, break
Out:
**4:14:59**
